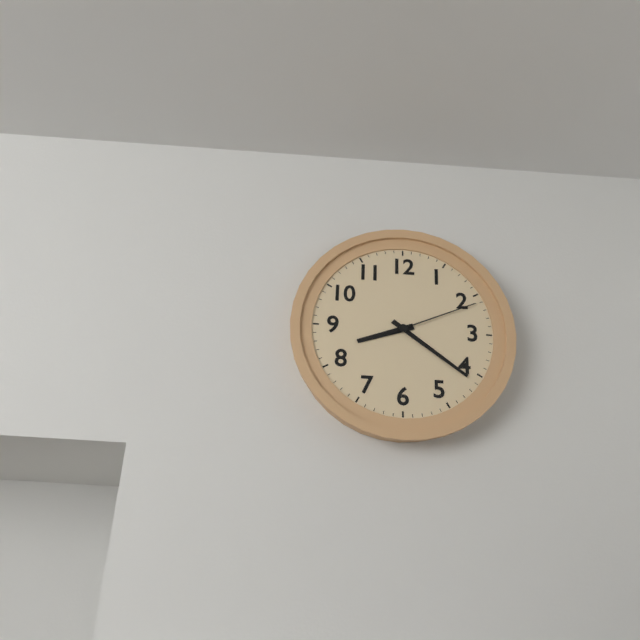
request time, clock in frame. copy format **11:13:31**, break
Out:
**8:21:11**
